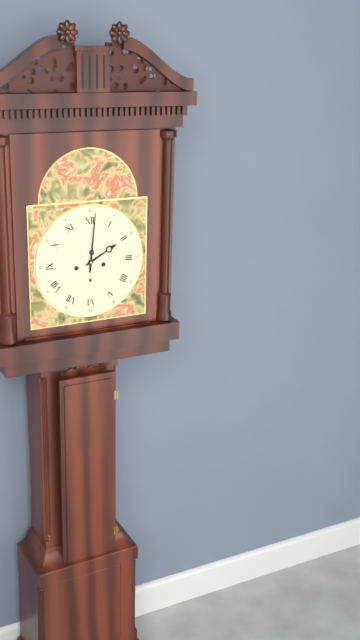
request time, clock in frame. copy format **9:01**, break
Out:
**2:01**
